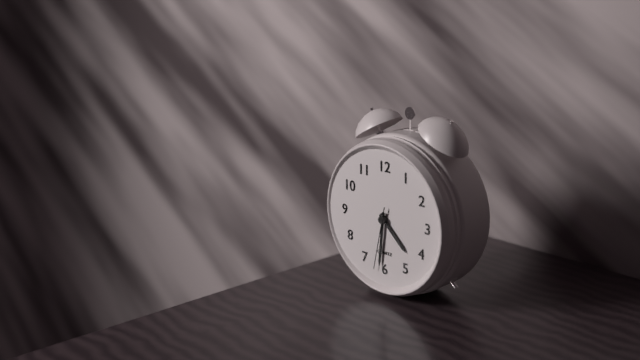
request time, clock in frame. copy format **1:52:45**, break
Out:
**4:31:32**
